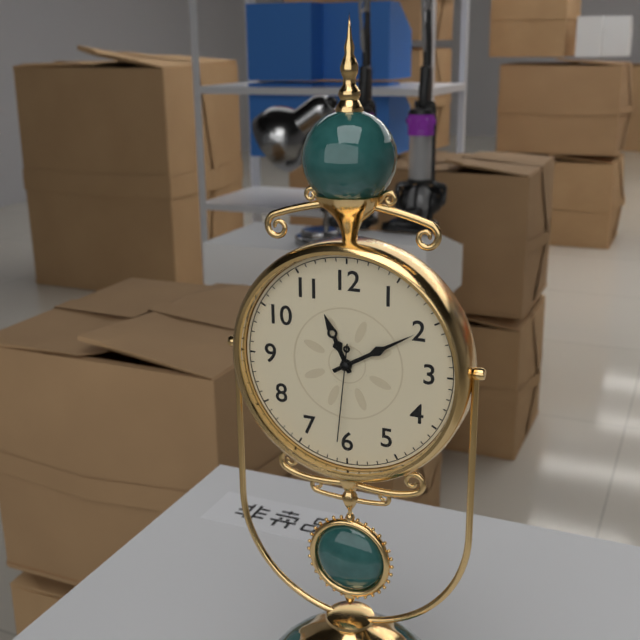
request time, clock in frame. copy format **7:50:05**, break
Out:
**11:10:31**
